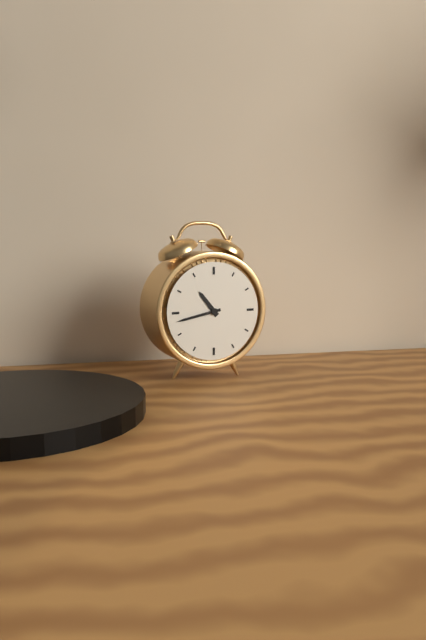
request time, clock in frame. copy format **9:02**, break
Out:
**10:43**
